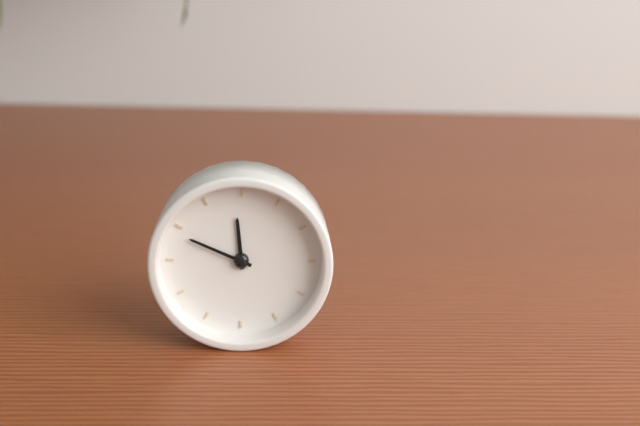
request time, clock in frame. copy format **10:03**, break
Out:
**11:49**
